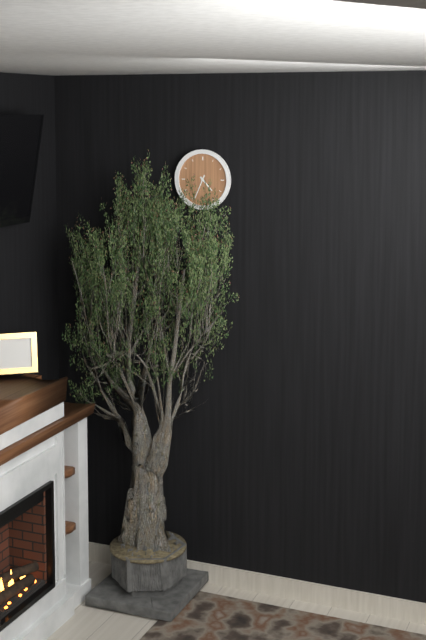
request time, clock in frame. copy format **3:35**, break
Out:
**4:34**
